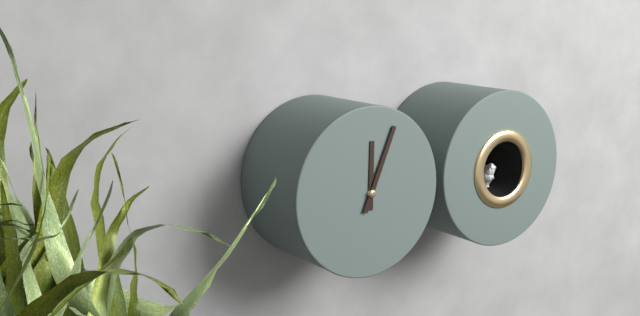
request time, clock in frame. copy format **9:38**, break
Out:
**12:04**
